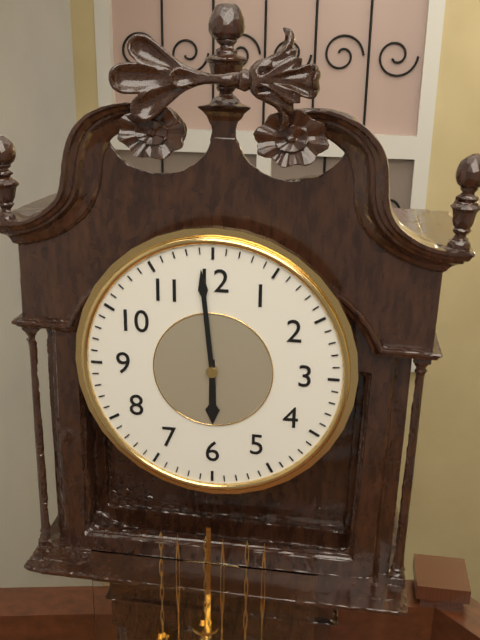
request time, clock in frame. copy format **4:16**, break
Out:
**5:59**
